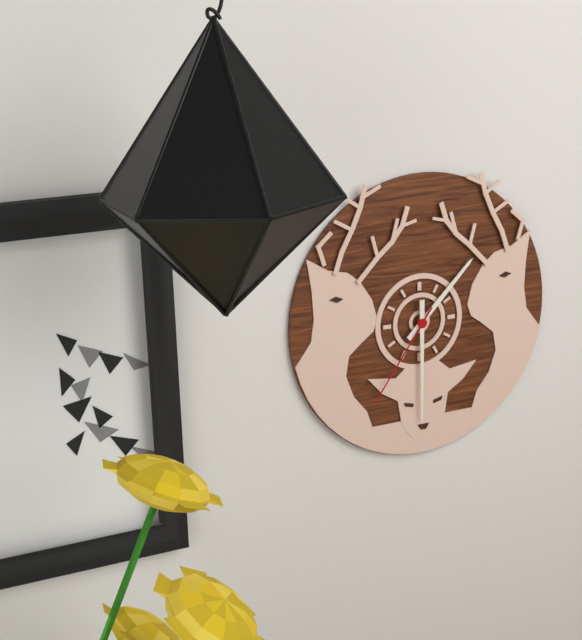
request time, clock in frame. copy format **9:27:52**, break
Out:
**1:30:36**
